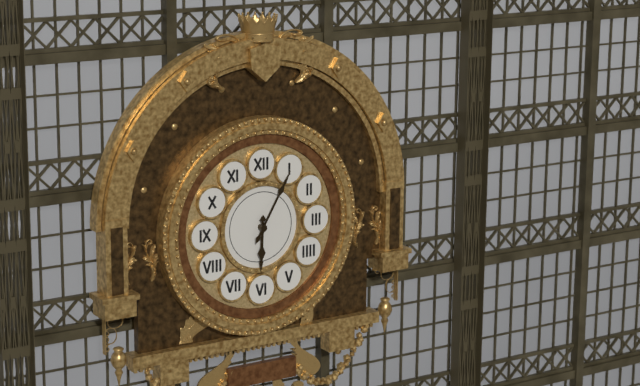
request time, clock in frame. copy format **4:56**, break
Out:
**6:05**
